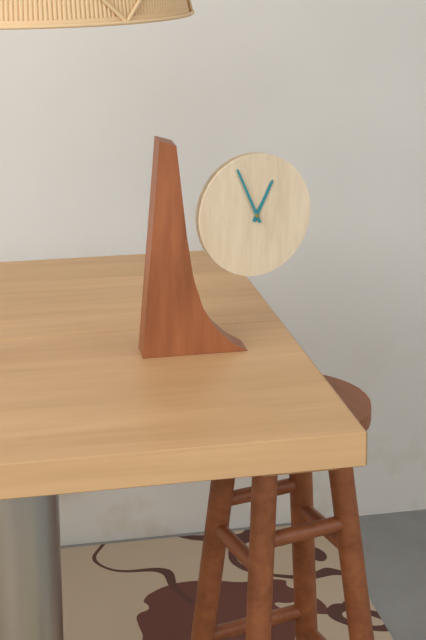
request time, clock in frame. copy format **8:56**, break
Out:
**12:56**
